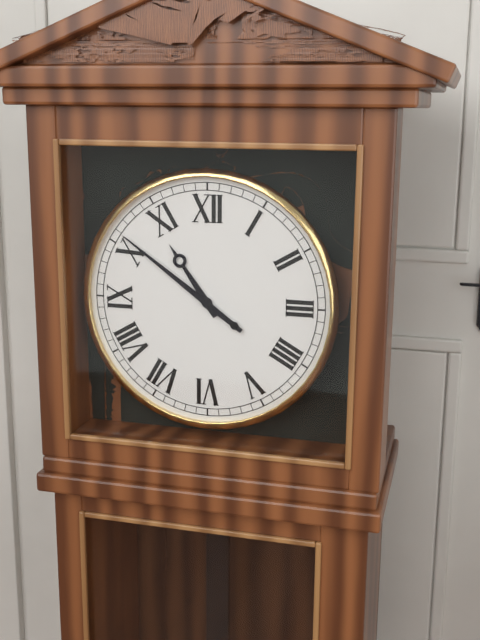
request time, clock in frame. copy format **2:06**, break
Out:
**10:51**
